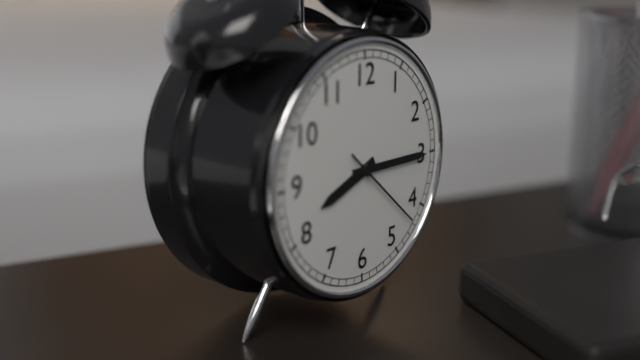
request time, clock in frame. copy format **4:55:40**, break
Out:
**8:15:22**
